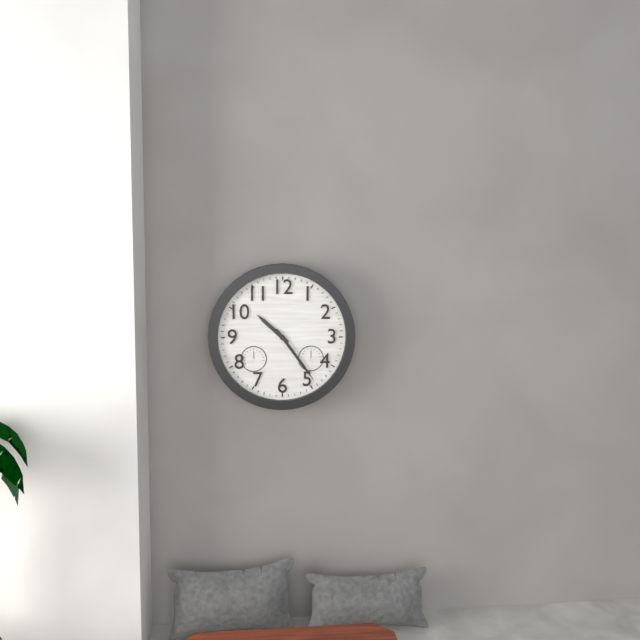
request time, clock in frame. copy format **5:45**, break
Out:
**10:24**
